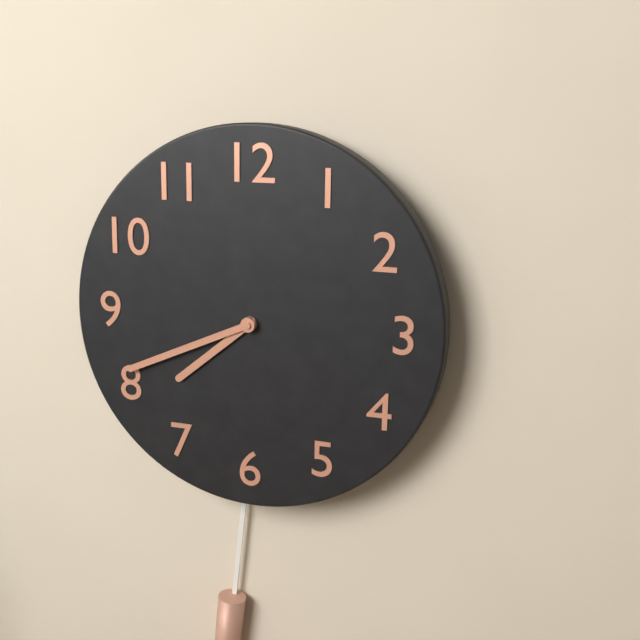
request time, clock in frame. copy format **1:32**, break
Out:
**7:41**
